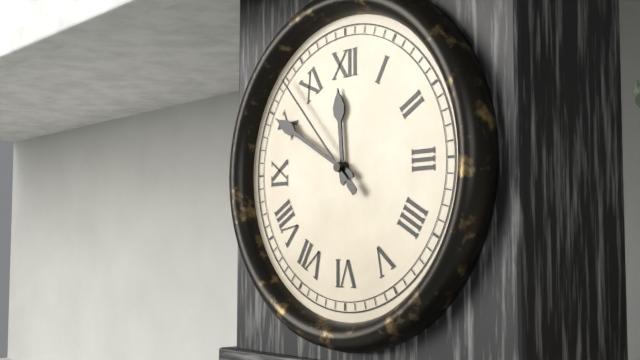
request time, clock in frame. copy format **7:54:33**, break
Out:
**11:50:53**
